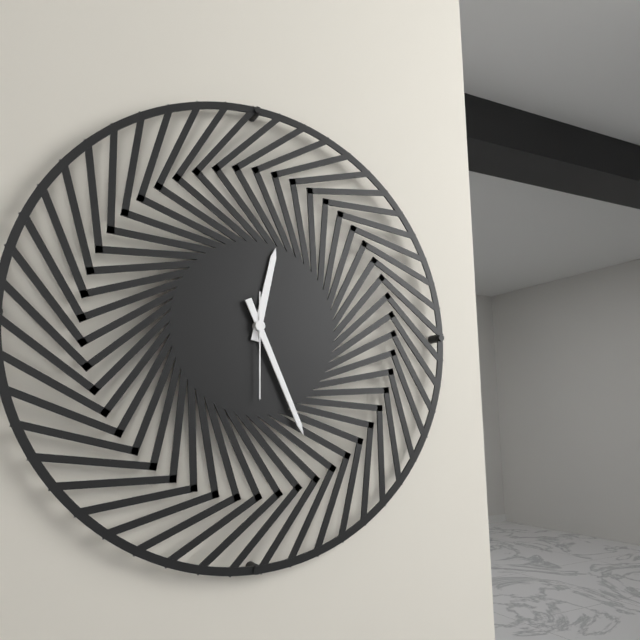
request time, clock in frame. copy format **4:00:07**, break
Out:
**12:26:30**
